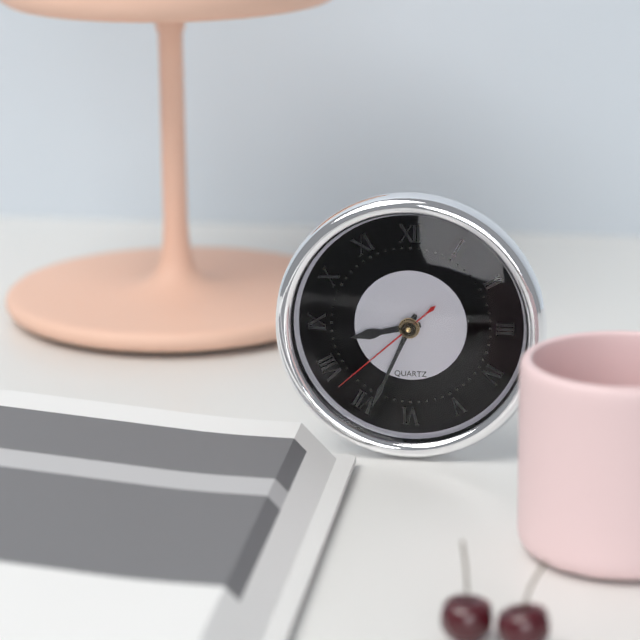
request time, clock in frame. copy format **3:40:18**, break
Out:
**8:34:38**
